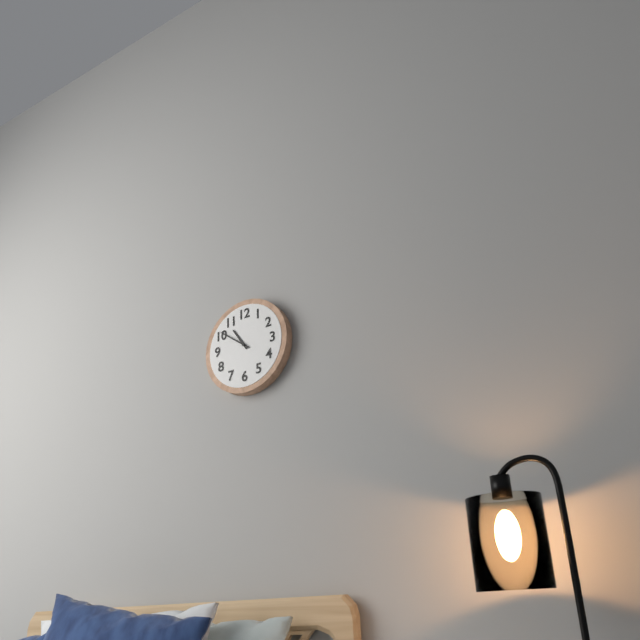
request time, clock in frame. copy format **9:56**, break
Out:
**10:51**
